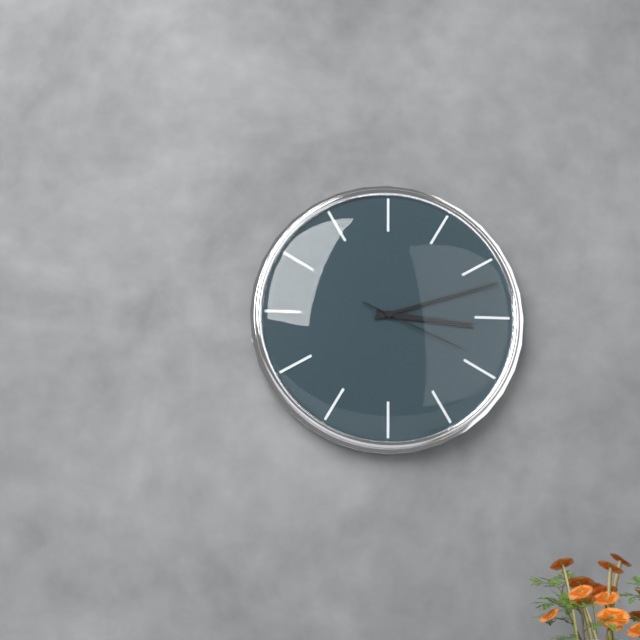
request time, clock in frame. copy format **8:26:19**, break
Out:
**3:12:19**
